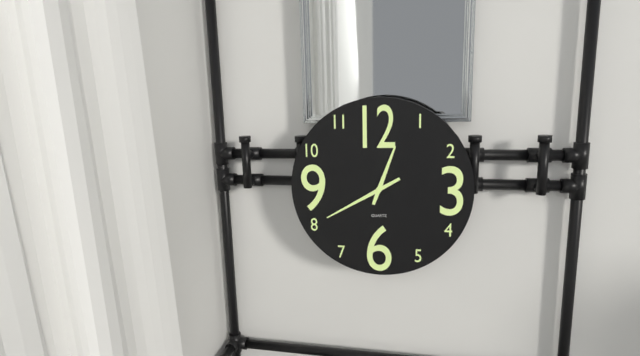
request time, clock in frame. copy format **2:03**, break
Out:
**12:40**
